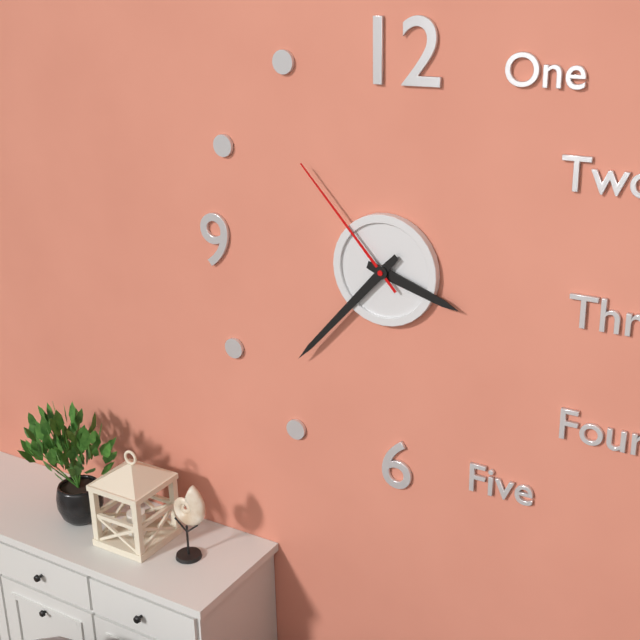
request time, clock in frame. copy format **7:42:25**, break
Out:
**3:37:53**
